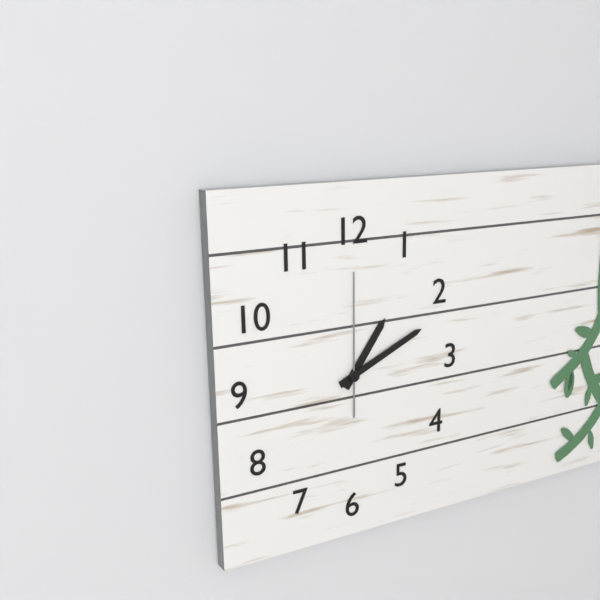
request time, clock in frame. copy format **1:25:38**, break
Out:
**1:11:00**
